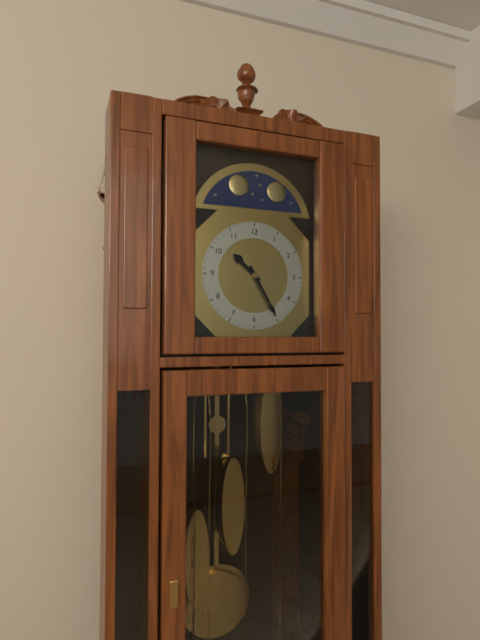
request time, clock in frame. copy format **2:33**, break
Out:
**10:25**
